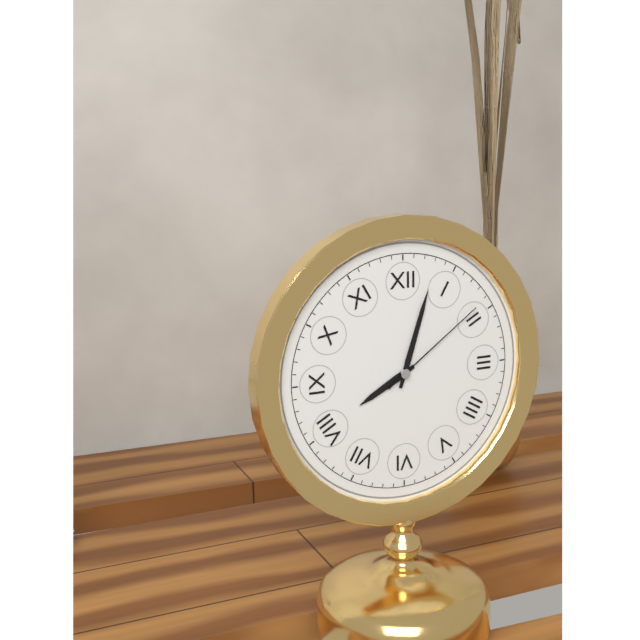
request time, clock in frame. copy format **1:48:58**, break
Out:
**8:03:09**
